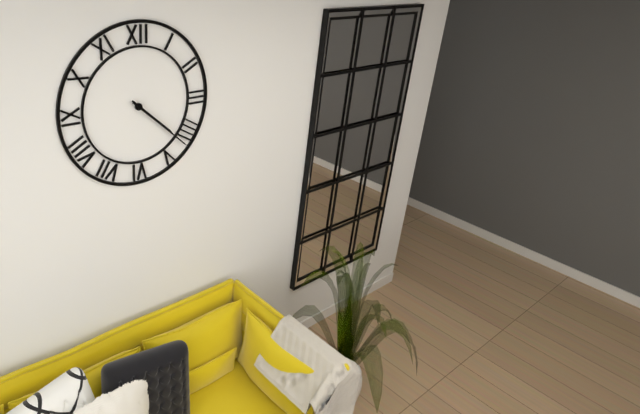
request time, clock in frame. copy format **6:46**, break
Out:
**4:22**
